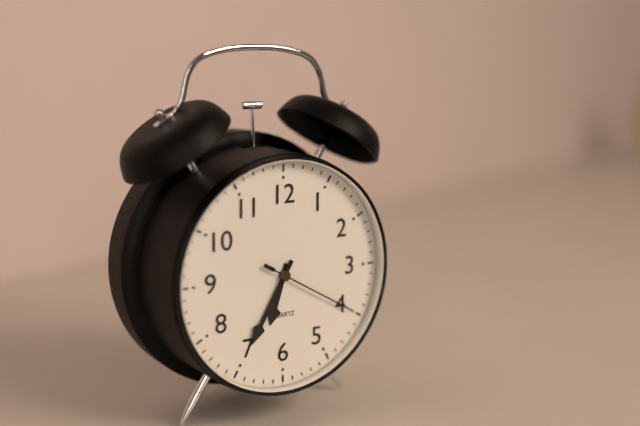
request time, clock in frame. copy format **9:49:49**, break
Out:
**6:35:20**
